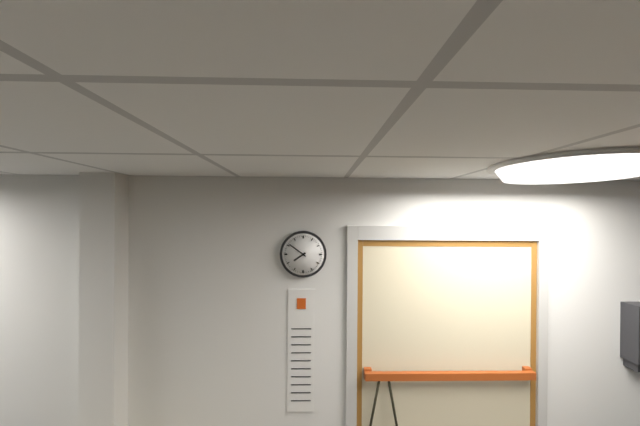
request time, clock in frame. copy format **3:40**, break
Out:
**7:51**
